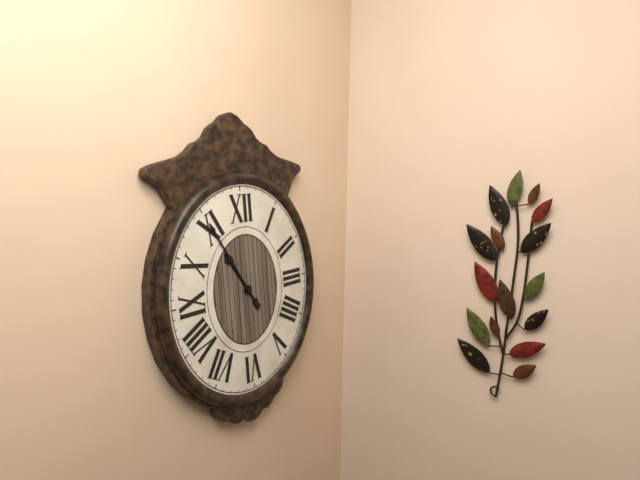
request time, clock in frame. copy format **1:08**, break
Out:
**10:55**
